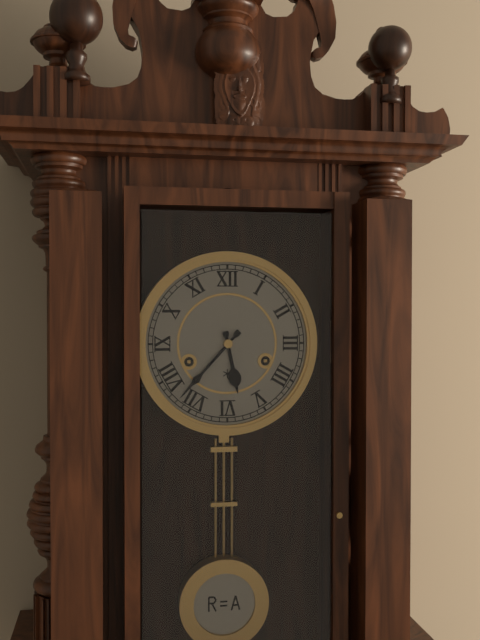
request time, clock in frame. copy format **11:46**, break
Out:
**5:37**
